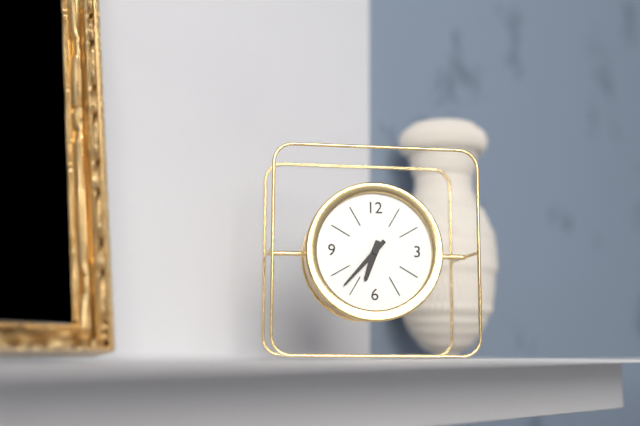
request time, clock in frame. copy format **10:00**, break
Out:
**6:37**
